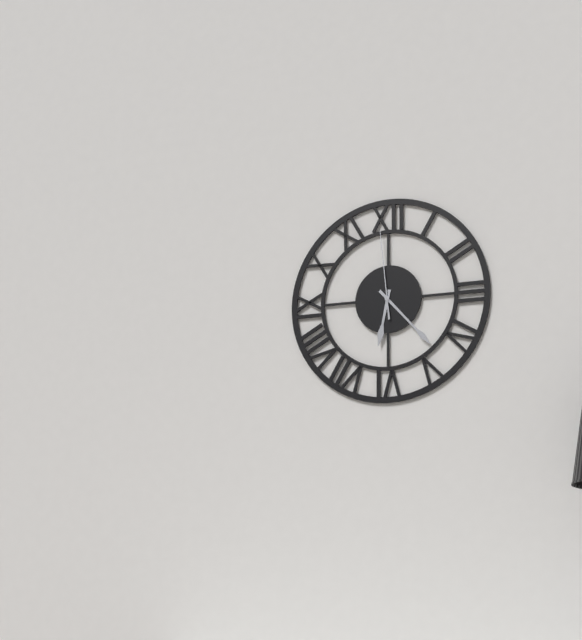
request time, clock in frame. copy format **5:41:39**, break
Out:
**6:23:59**
